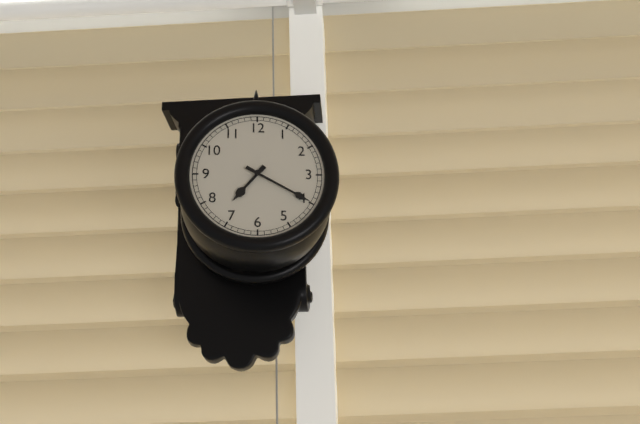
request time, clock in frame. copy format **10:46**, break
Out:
**7:20**
